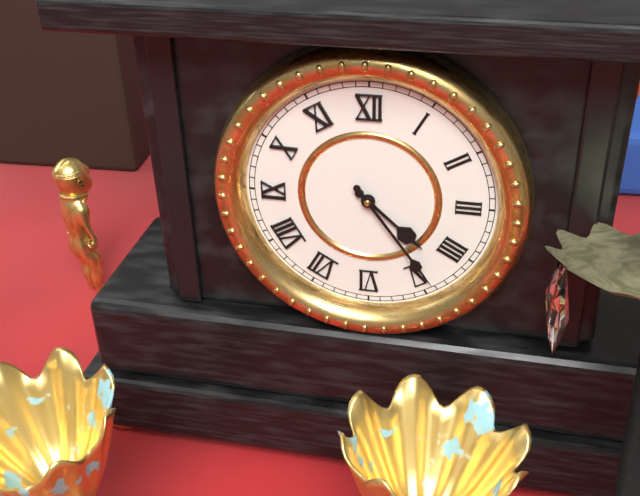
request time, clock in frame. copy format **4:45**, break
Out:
**4:24**
